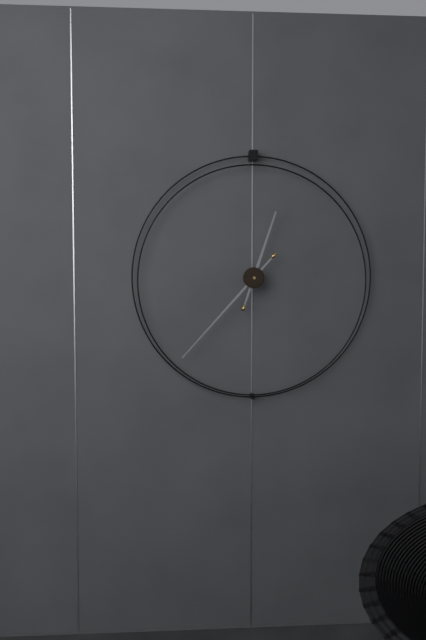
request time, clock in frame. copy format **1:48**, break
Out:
**12:37**
